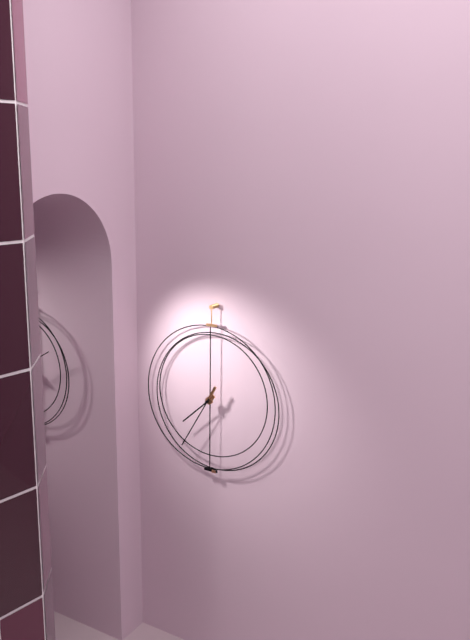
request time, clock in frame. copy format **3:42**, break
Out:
**7:35**
